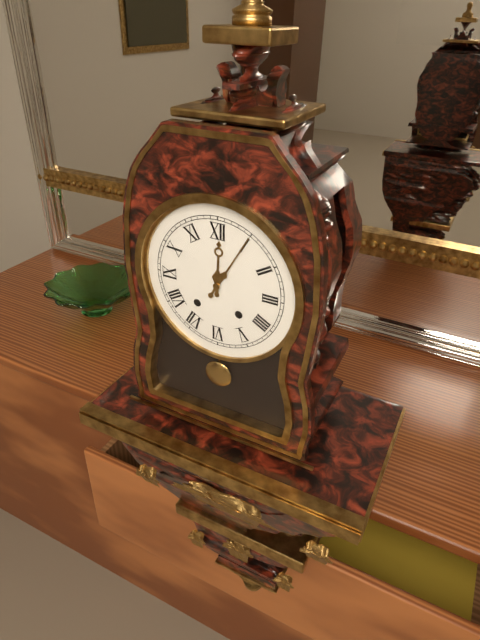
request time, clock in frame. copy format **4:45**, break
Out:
**12:05**
